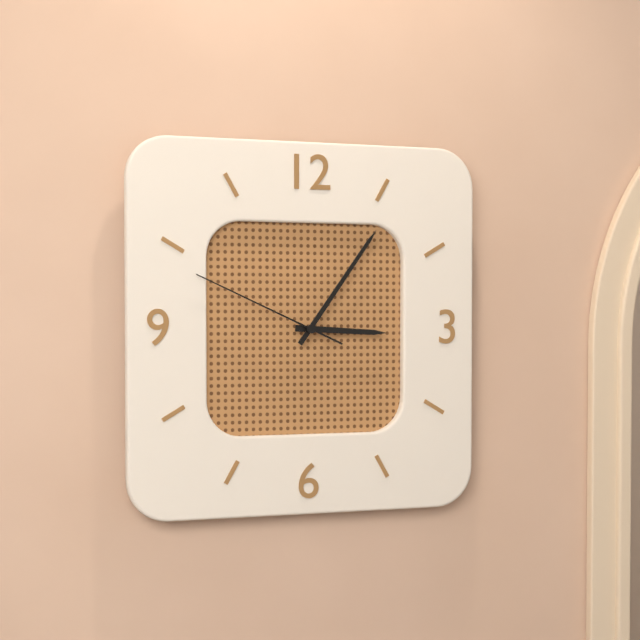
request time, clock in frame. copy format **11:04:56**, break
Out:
**3:06:49**
